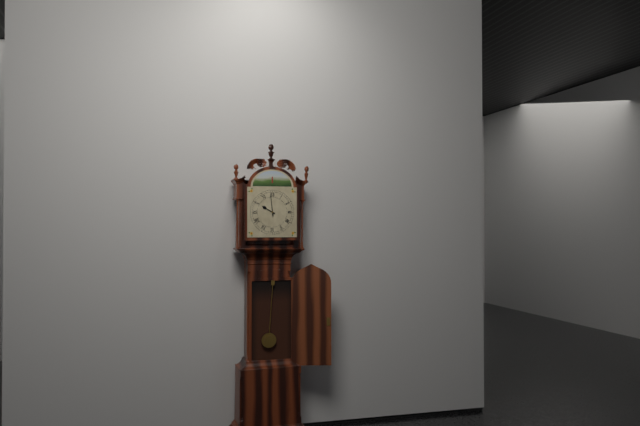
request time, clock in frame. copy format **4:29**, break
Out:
**9:59**
